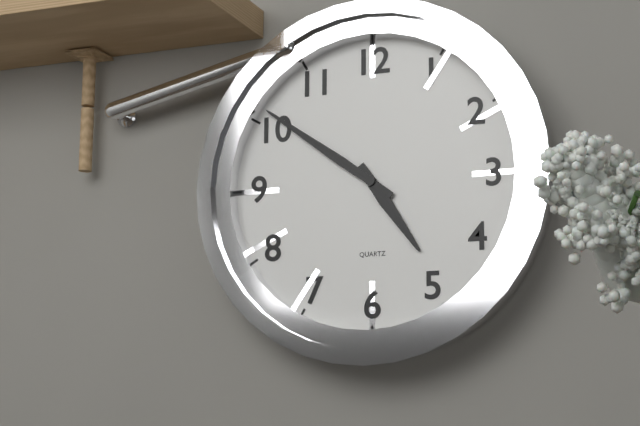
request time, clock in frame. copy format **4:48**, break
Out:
**4:51**
